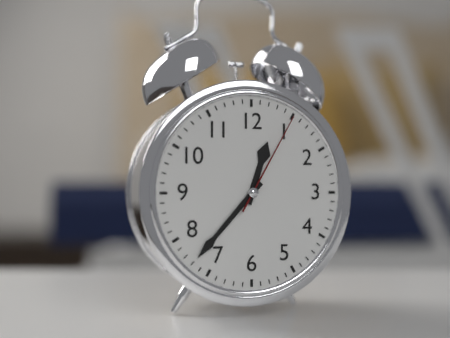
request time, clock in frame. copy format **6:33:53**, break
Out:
**12:37:05**
